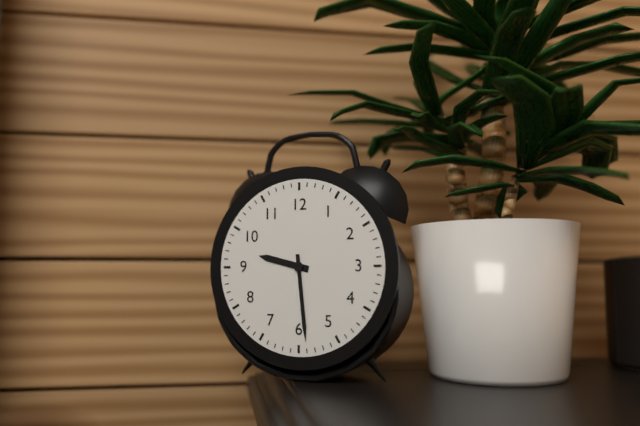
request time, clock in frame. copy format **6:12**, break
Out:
**9:29**
